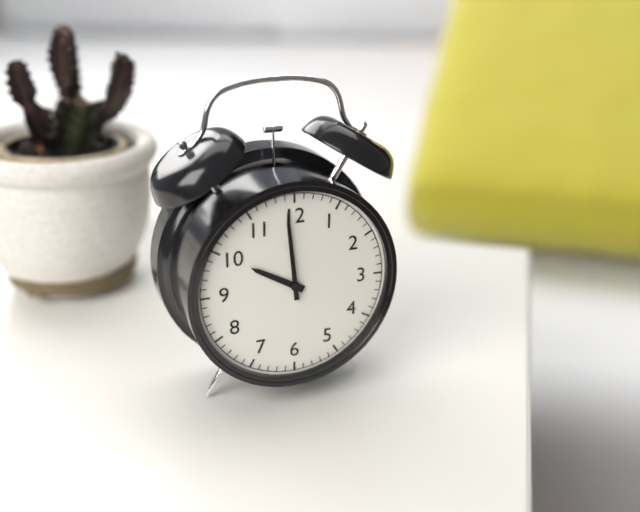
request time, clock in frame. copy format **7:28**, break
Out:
**9:59**
